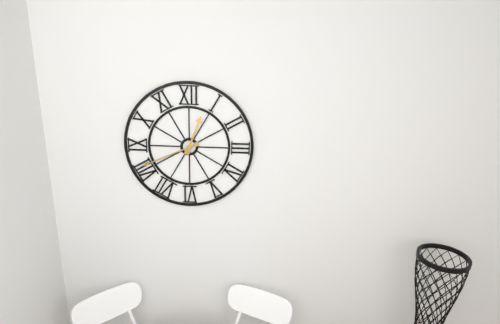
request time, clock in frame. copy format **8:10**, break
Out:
**12:41**
